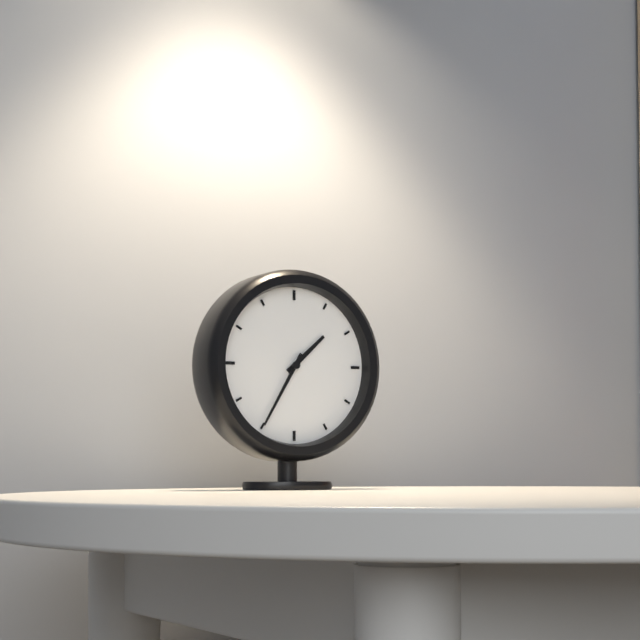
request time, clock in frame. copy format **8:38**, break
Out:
**1:35**
